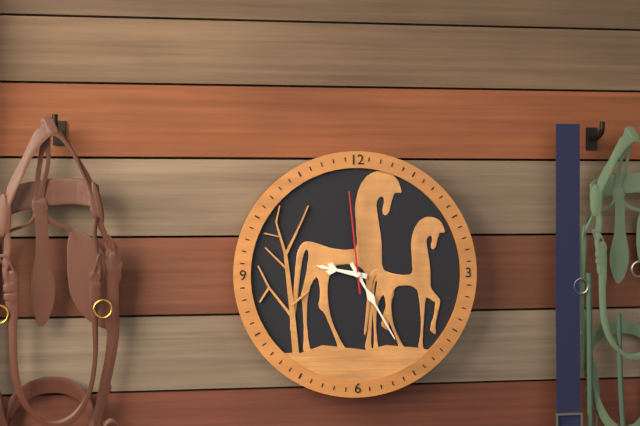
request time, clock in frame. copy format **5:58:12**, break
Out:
**9:25:59**
